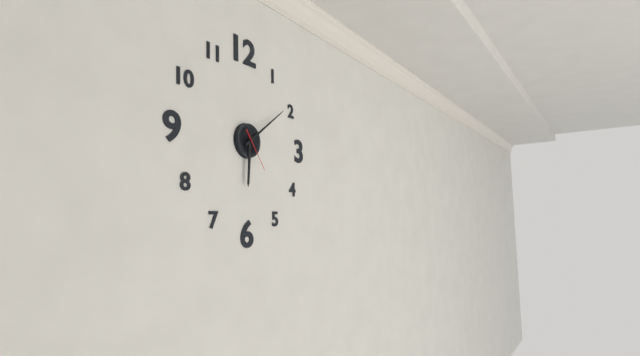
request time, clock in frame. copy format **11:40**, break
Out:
**6:09**
